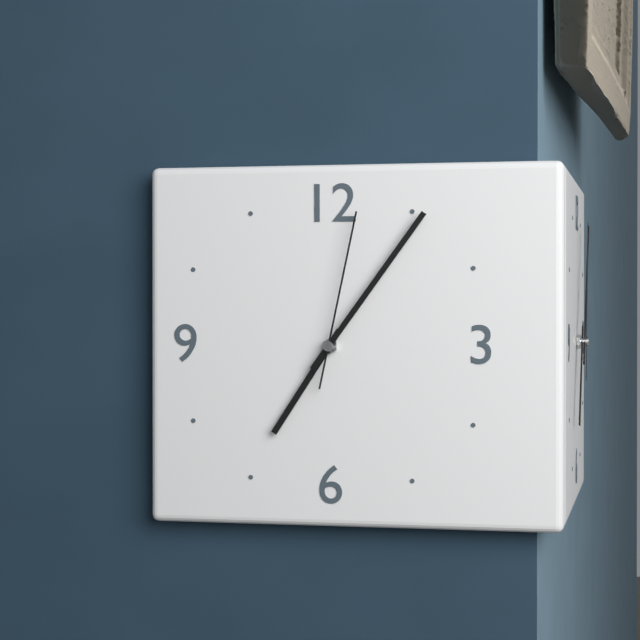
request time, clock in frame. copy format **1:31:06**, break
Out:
**7:06:02**
